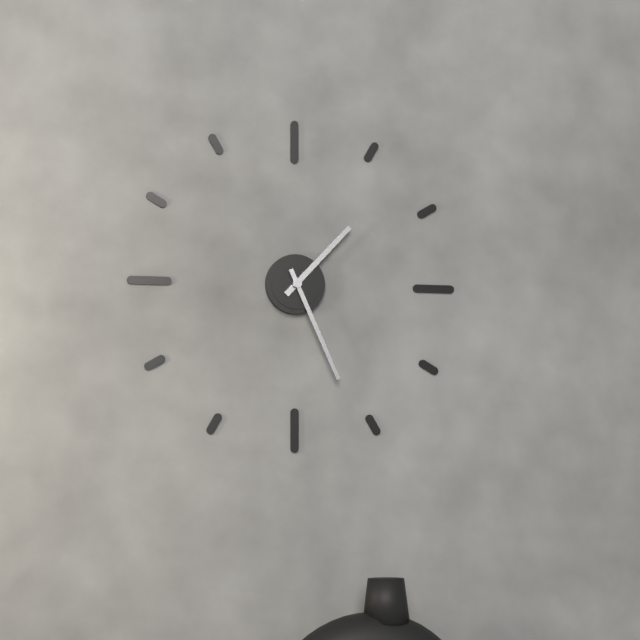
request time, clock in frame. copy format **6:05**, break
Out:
**1:26**
